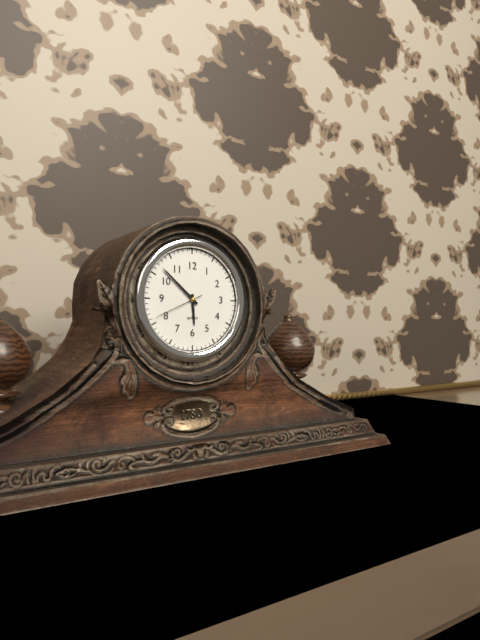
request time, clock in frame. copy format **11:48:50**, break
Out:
**5:52:41**
